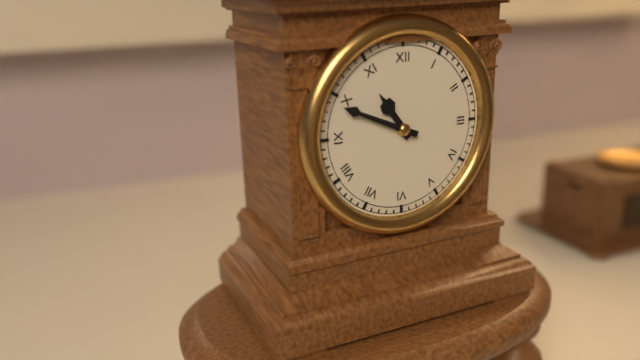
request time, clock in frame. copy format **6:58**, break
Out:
**10:49**
